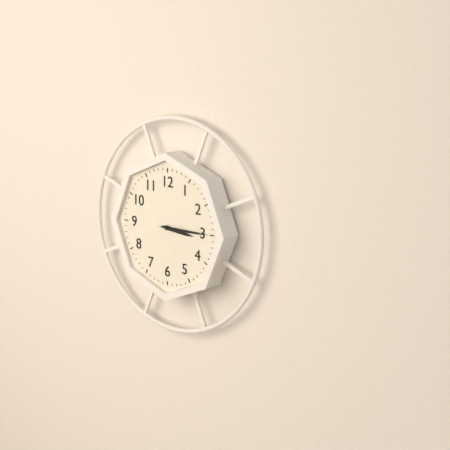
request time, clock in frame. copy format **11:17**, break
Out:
**3:15**
